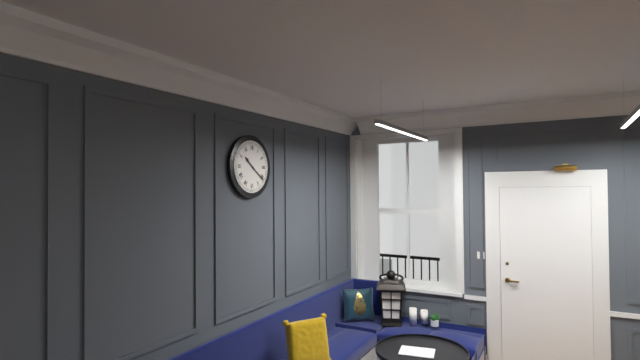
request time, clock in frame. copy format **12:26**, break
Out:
**10:21**
